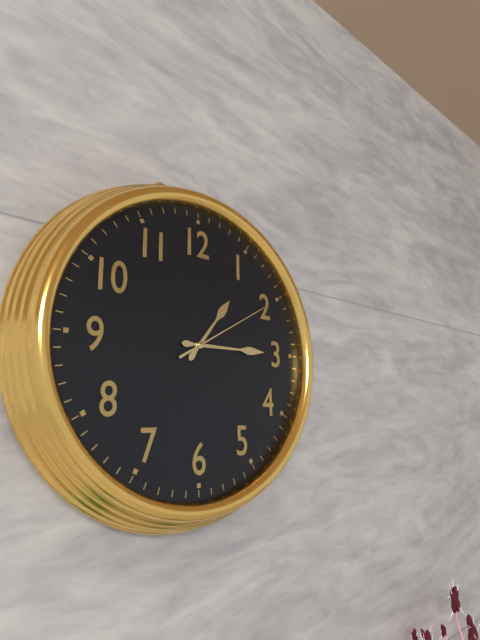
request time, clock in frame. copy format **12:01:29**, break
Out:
**1:15:10**
